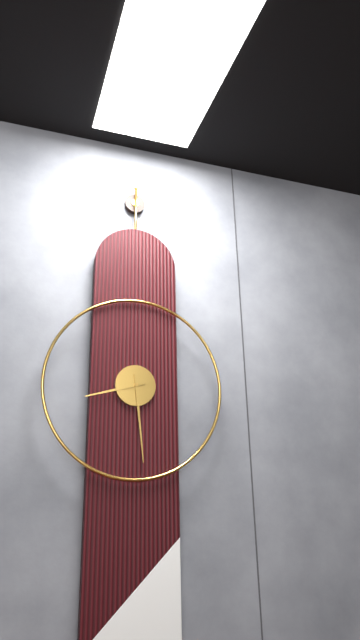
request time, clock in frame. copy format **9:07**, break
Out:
**8:29**
